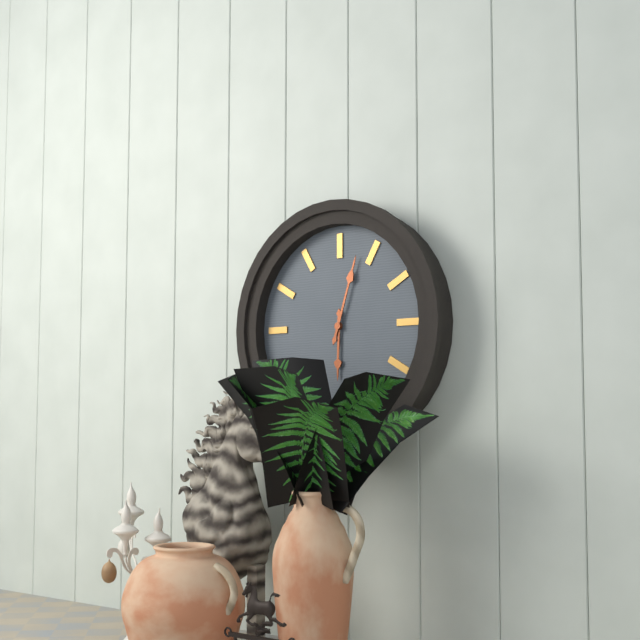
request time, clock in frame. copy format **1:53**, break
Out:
**6:03**
